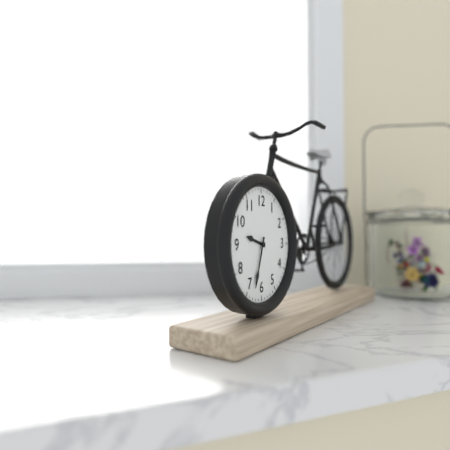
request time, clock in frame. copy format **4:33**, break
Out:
**9:33**
